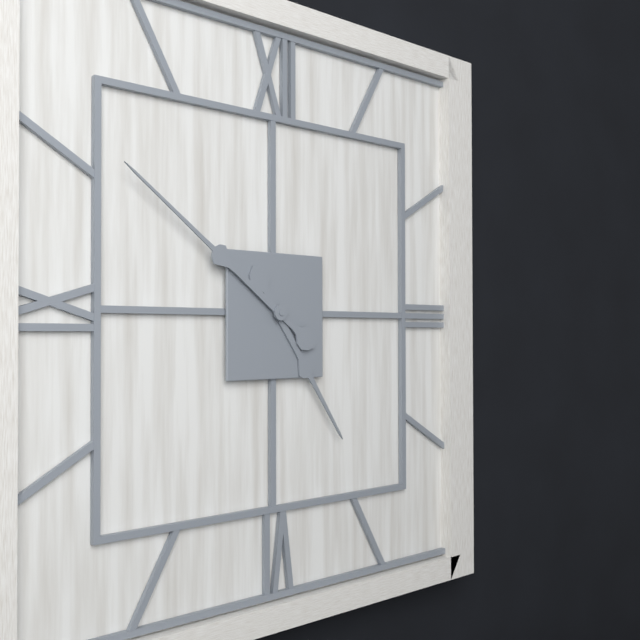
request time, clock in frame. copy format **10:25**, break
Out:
**4:51**
